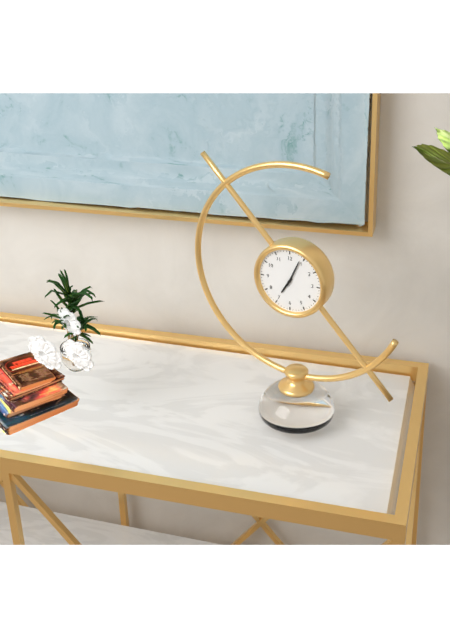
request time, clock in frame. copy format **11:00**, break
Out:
**7:04**
